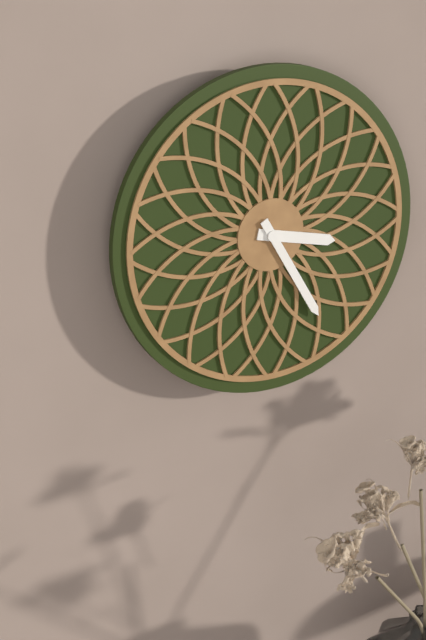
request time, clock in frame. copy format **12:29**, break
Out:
**3:25**
